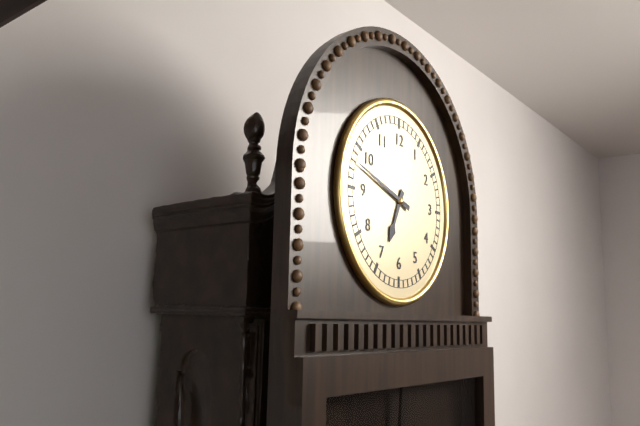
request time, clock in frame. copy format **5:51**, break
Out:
**6:48**
